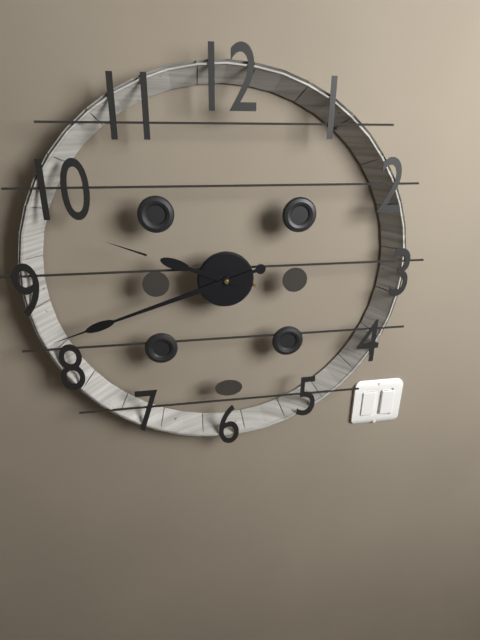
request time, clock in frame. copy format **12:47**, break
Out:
**9:42**
